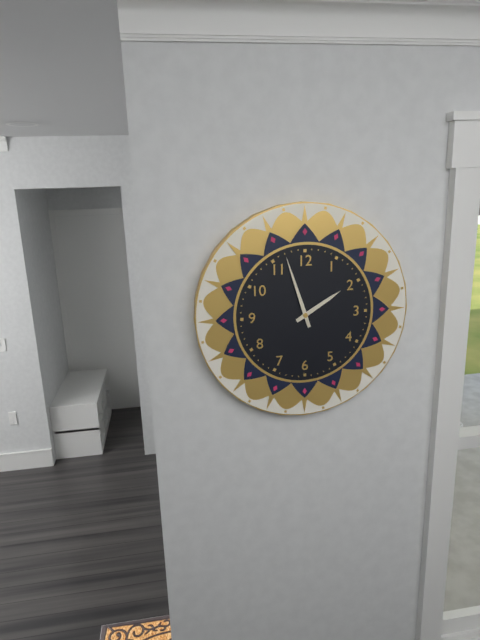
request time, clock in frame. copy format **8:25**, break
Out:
**1:57**
